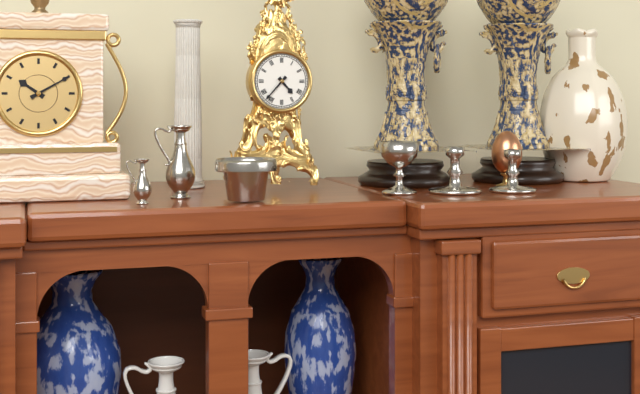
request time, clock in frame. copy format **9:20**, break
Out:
**4:37**
